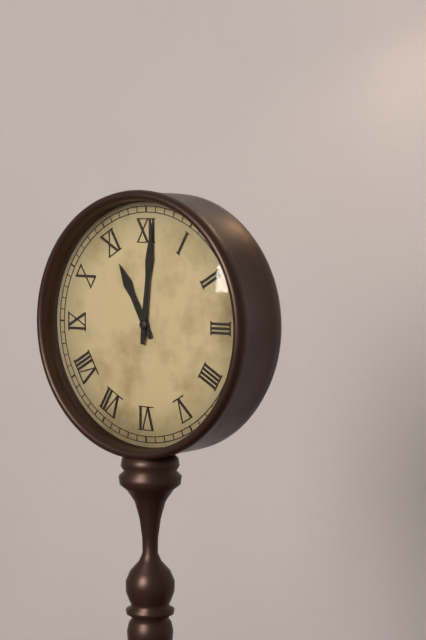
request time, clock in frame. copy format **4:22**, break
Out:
**11:01**
